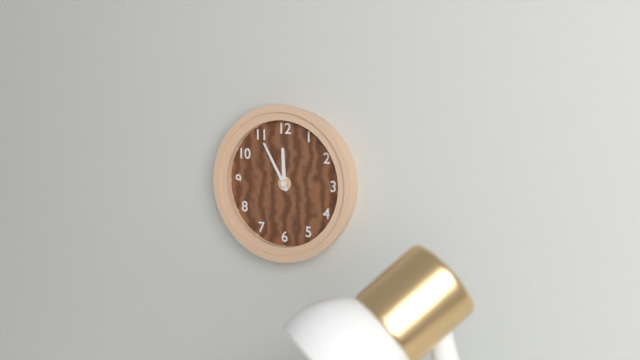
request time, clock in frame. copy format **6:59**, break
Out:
**11:55**
